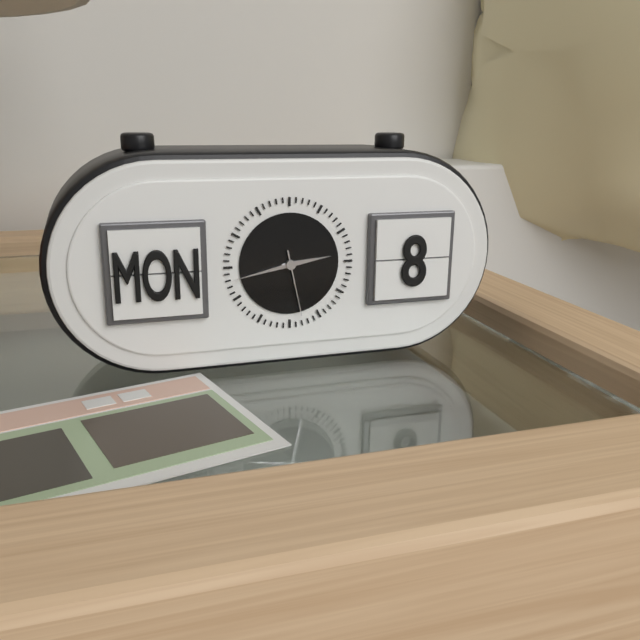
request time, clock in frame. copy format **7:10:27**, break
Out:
**2:43:28**
